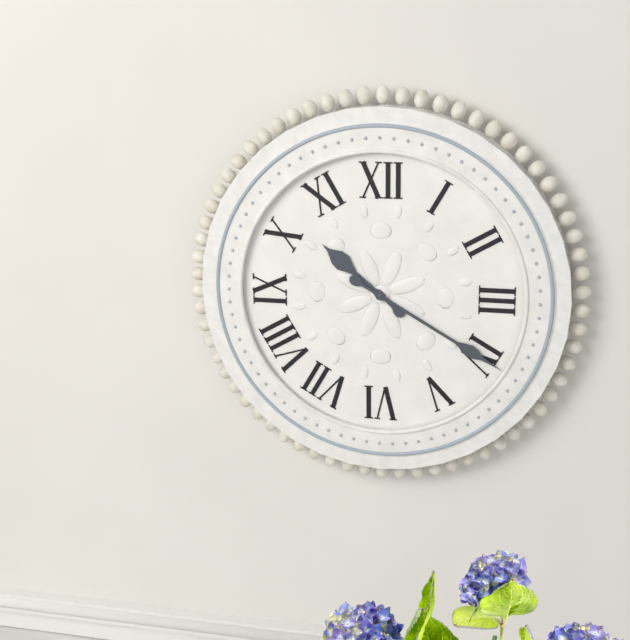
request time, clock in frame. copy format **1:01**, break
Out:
**10:20**
